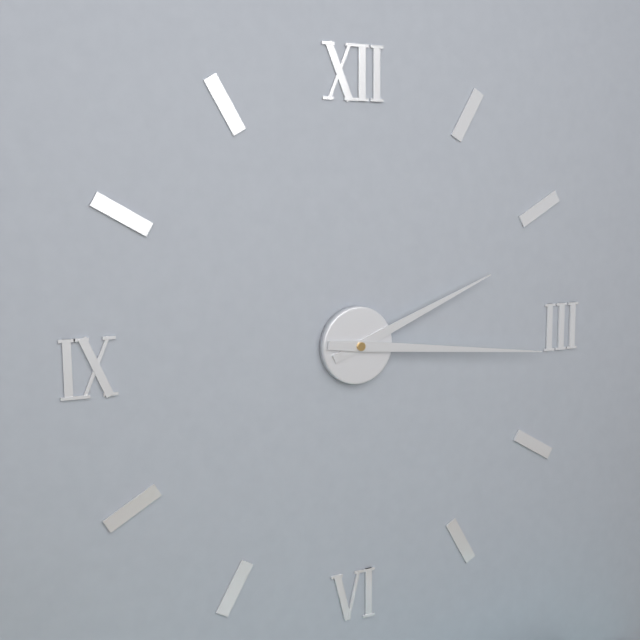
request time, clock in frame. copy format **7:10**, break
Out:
**2:16**
